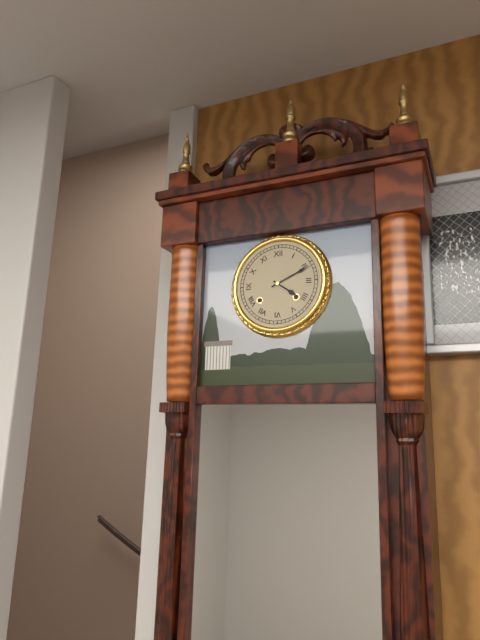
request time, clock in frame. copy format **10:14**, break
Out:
**4:11**
